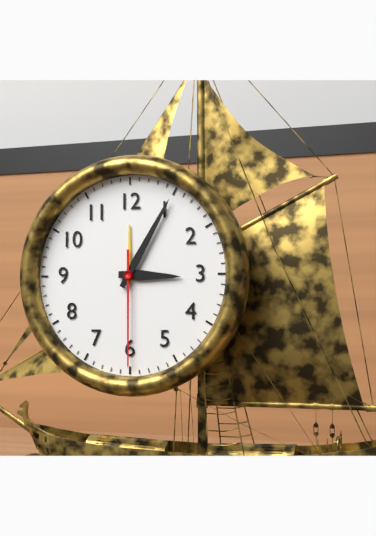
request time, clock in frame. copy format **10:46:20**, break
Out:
**3:05:30**
